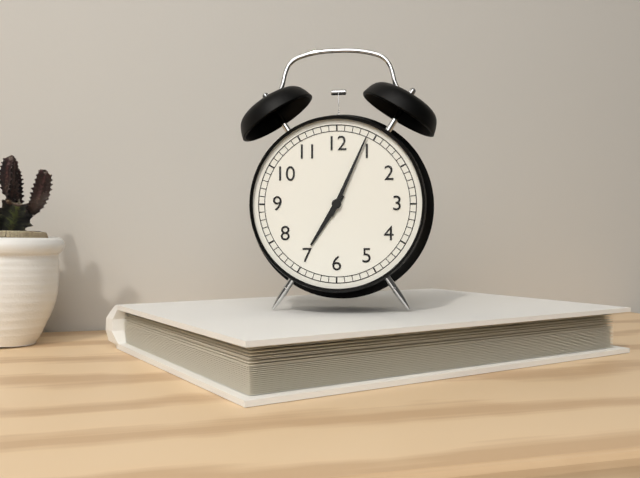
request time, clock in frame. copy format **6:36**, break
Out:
**7:04**
